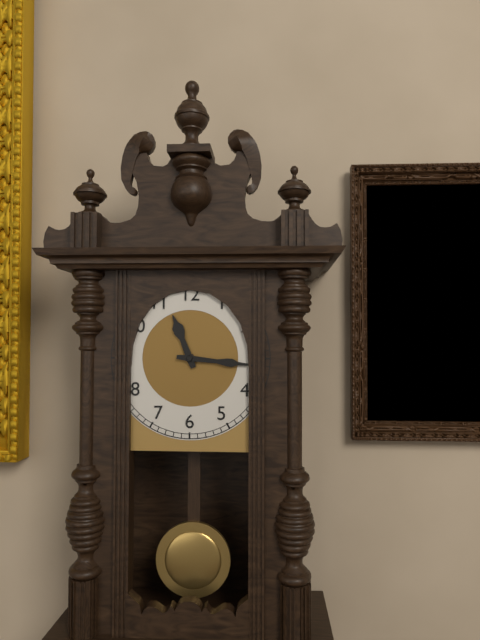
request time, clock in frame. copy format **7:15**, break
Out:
**11:16**
